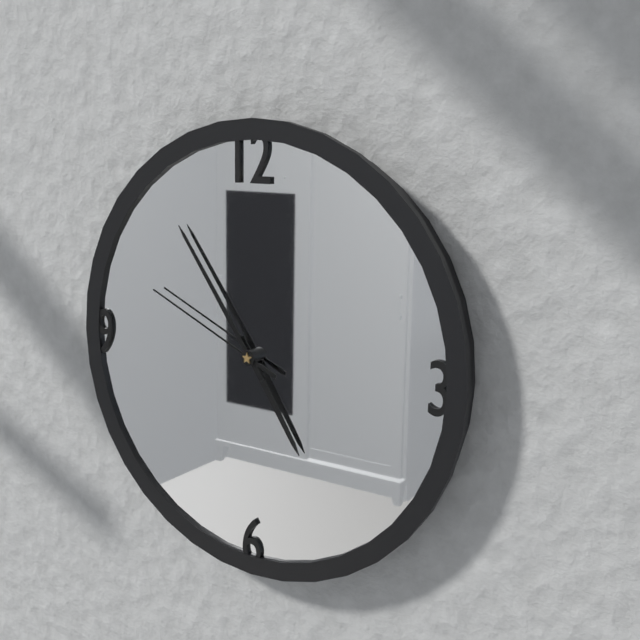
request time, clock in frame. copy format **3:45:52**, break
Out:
**4:54:49**
